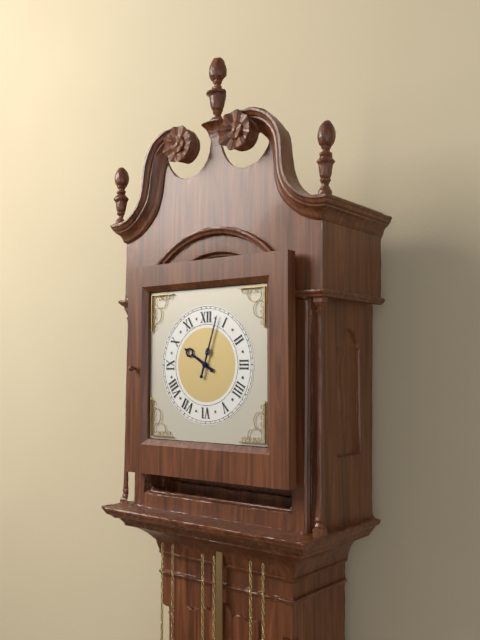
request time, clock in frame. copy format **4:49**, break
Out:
**10:03**
